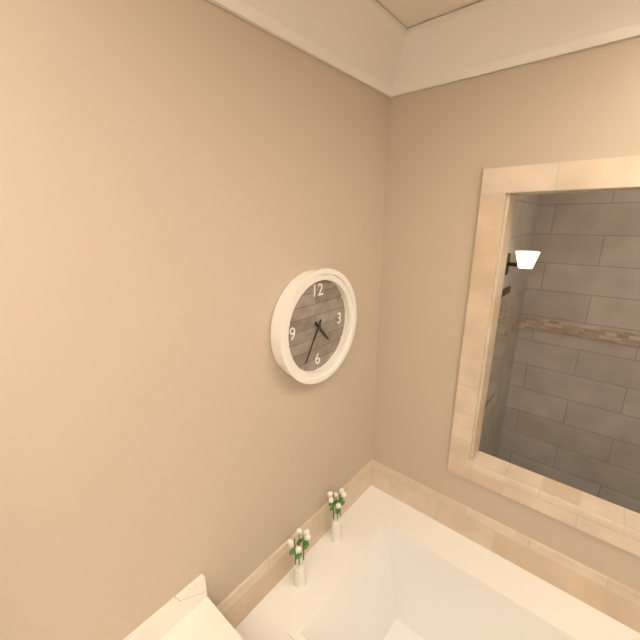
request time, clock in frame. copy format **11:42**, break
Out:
**4:35**
